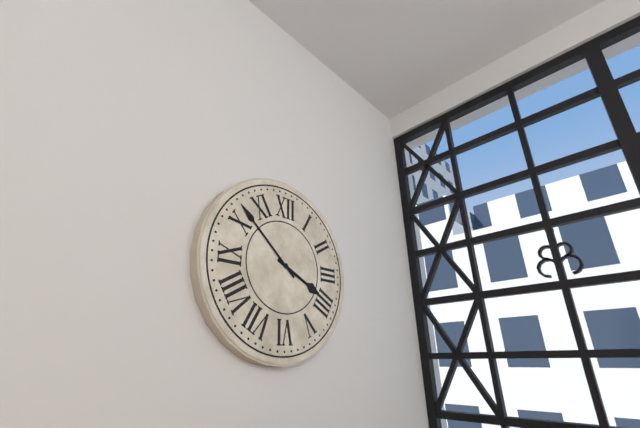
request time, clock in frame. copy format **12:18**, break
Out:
**3:52**
